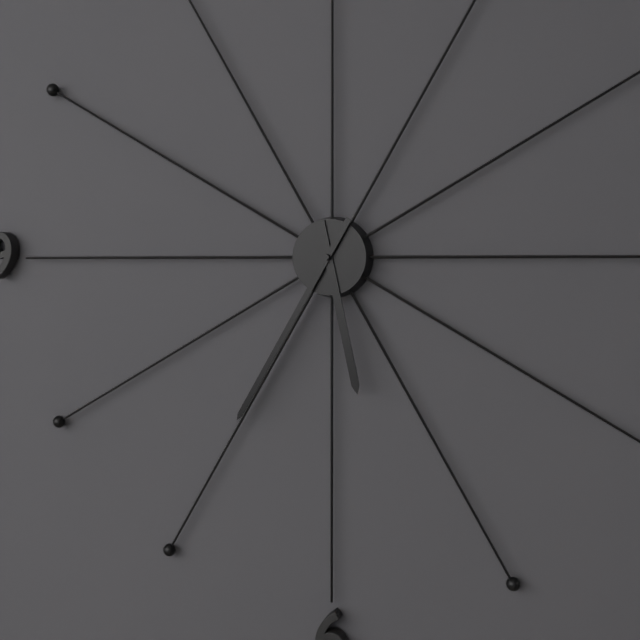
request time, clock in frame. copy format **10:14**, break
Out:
**5:35**
